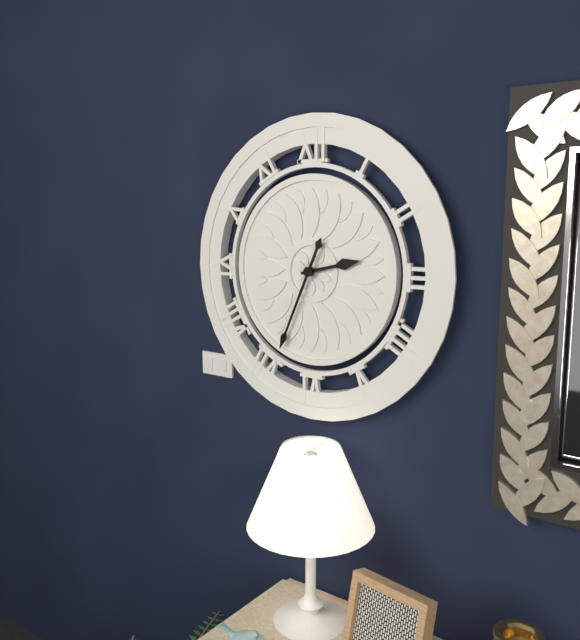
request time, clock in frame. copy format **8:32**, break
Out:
**2:34**
